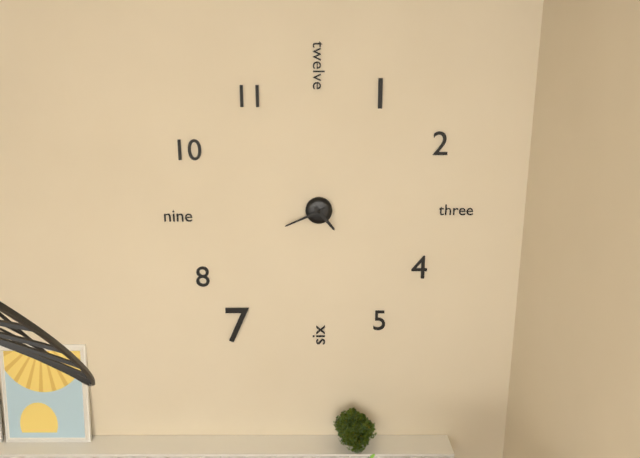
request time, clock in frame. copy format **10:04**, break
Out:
**4:41**
